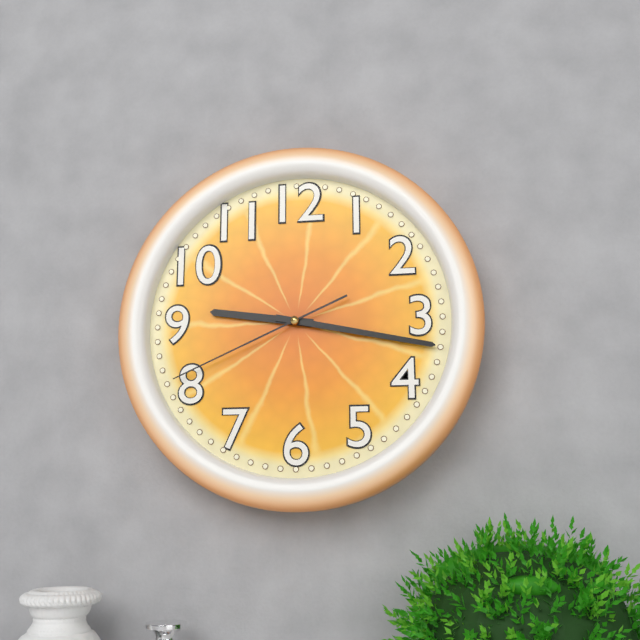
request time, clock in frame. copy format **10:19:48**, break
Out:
**9:17:41**
